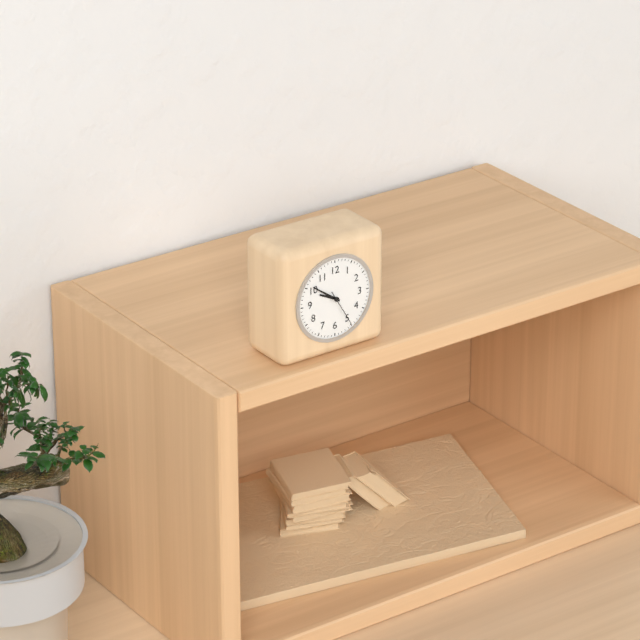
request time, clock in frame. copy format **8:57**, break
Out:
**9:51**
